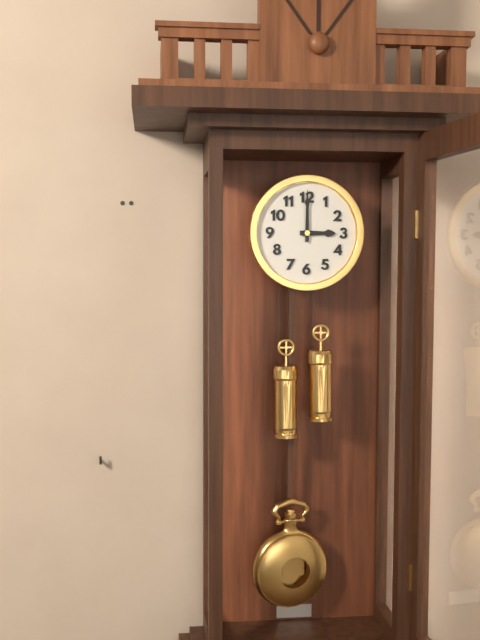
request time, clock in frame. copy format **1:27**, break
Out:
**3:00**
